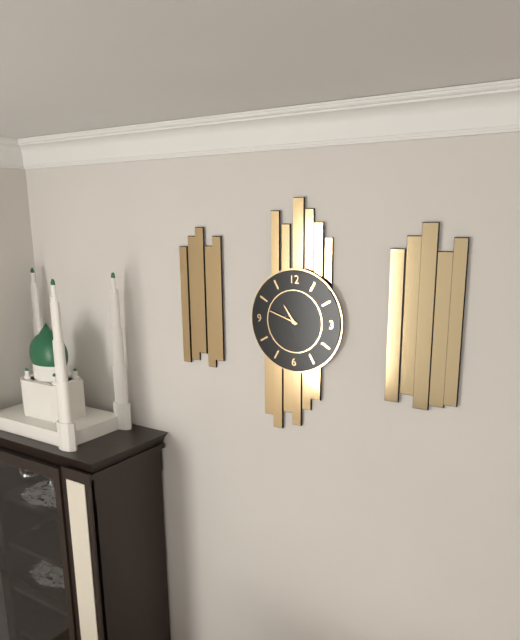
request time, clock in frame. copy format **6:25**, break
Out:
**10:48**
